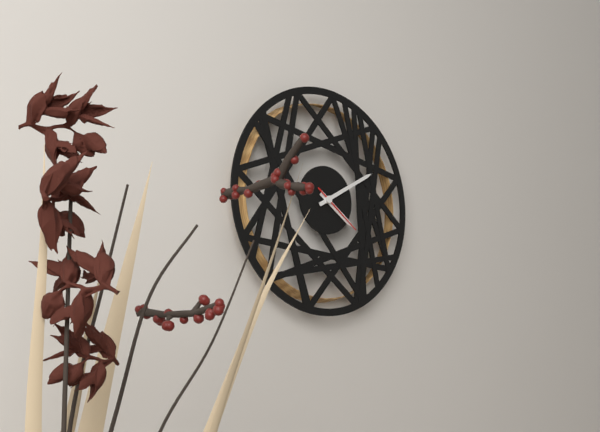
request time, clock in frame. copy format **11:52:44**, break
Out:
**4:10:21**
